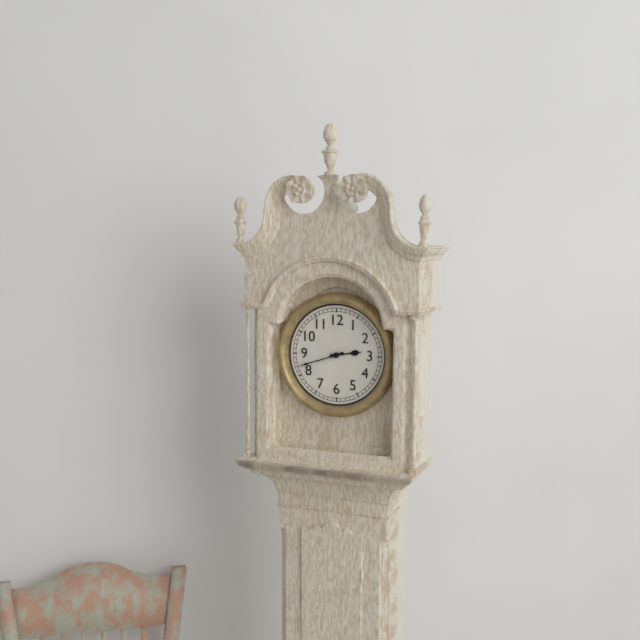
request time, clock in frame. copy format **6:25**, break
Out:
**2:42**
